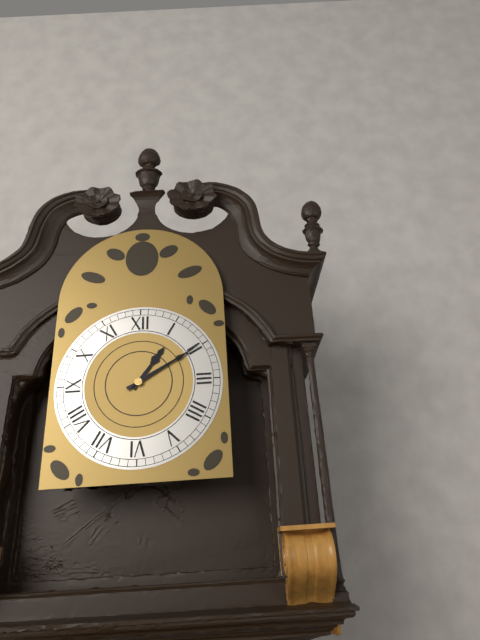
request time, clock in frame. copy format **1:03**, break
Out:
**1:10**
